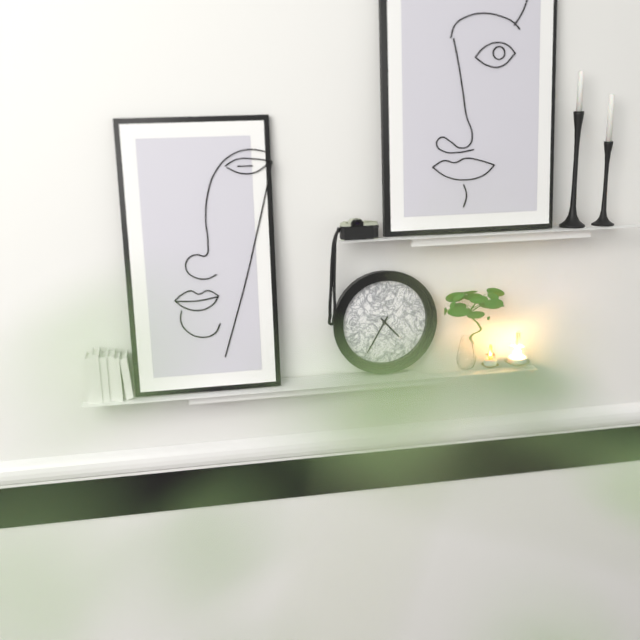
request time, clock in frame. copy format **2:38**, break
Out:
**4:35**
